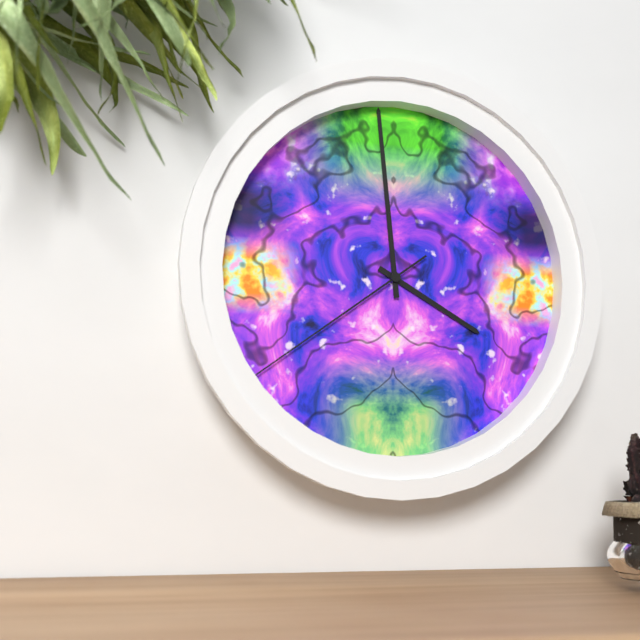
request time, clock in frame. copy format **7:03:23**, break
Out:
**3:59:39**
